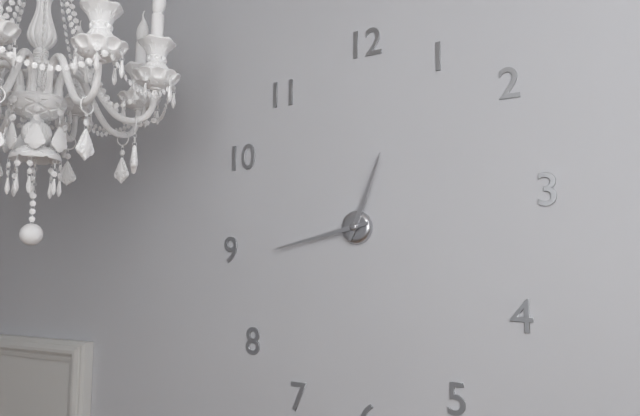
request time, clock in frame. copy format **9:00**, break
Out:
**12:43**
